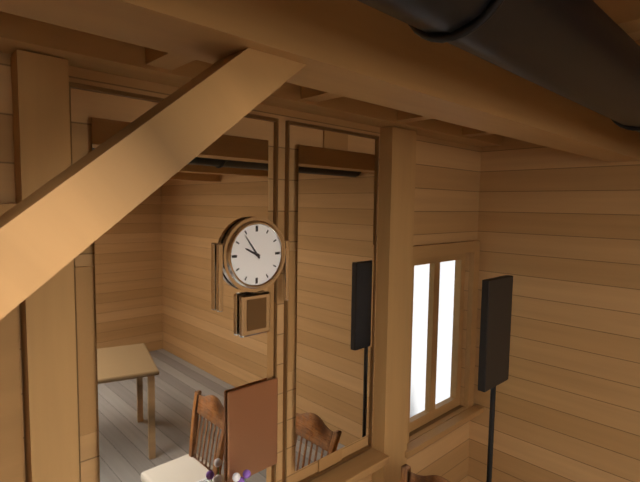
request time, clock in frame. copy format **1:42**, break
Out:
**9:54**
